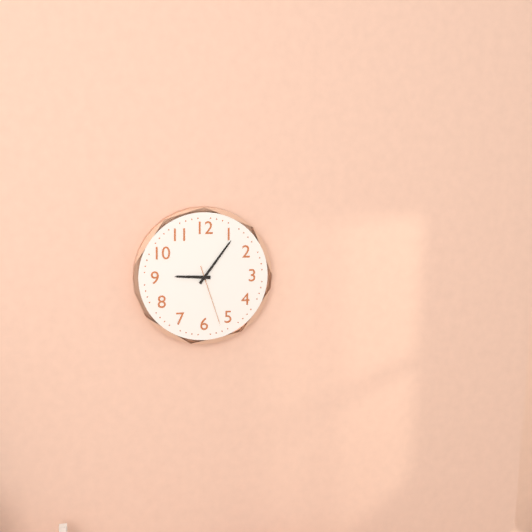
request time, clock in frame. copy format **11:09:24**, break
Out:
**9:06:27**
